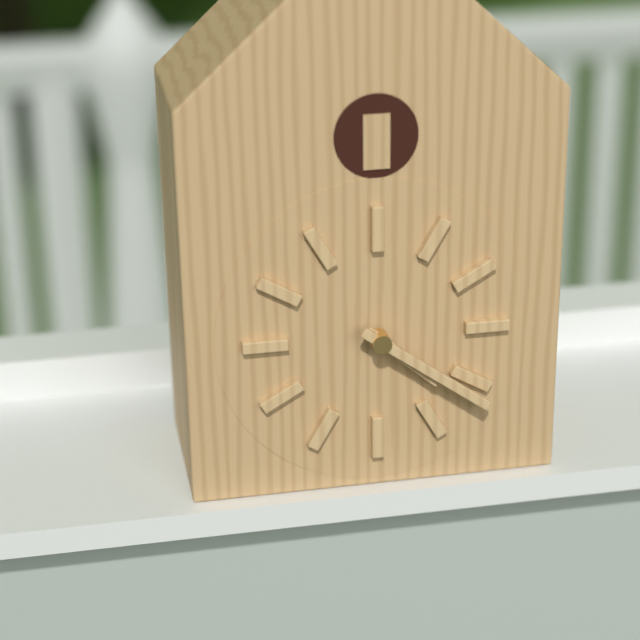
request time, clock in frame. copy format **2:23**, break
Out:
**4:21**
